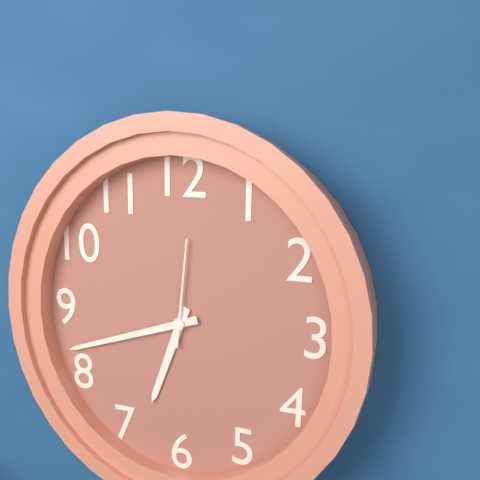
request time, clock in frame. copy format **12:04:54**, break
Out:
**6:42:01**
